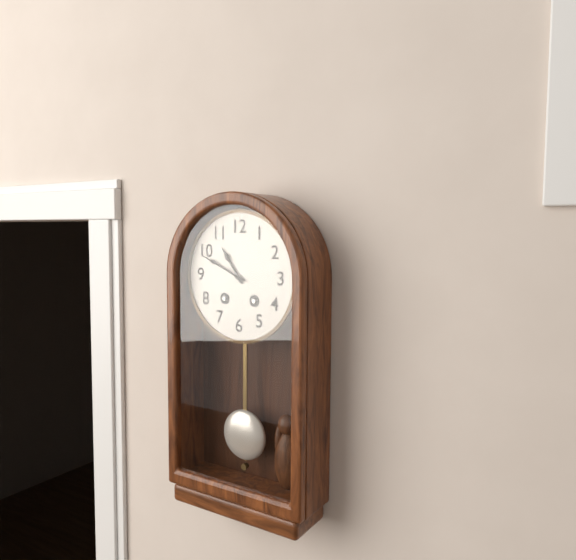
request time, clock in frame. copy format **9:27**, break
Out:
**10:49**
